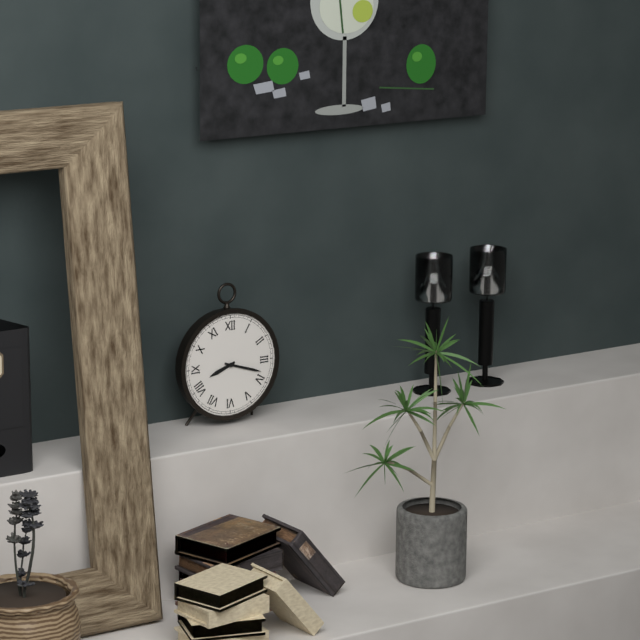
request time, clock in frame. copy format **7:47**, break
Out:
**8:18**
